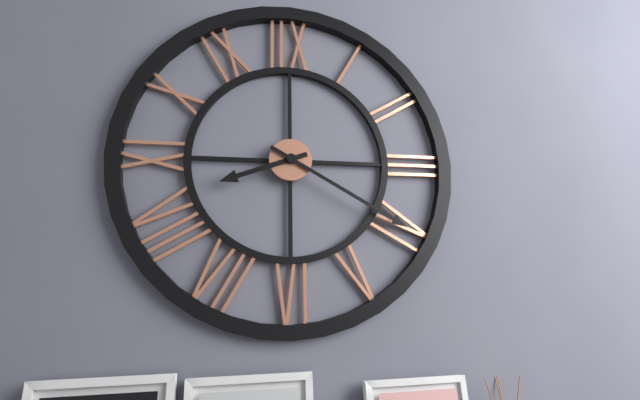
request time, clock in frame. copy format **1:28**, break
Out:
**8:20**
